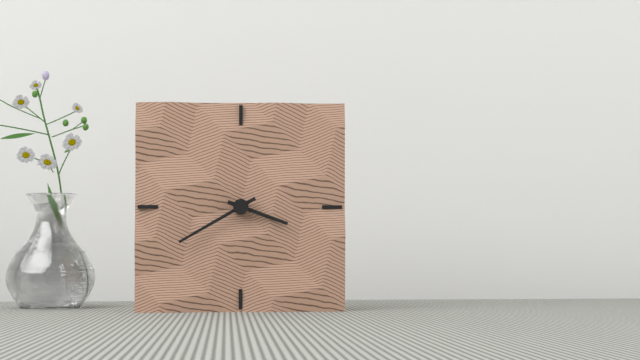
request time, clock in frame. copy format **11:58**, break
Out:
**3:40**
